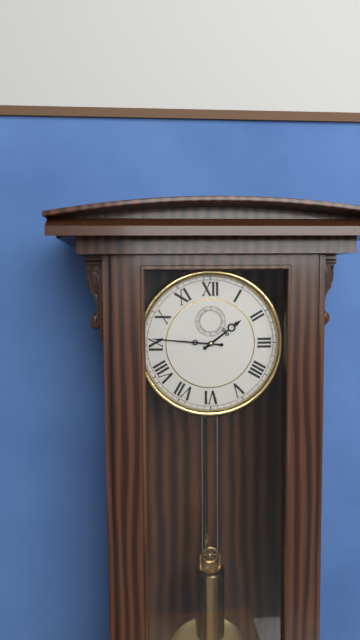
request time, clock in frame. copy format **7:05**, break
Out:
**1:46**
